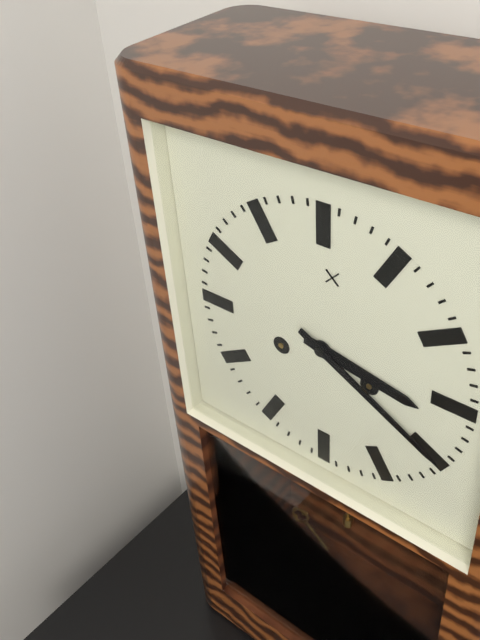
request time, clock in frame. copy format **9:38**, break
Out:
**3:20**
